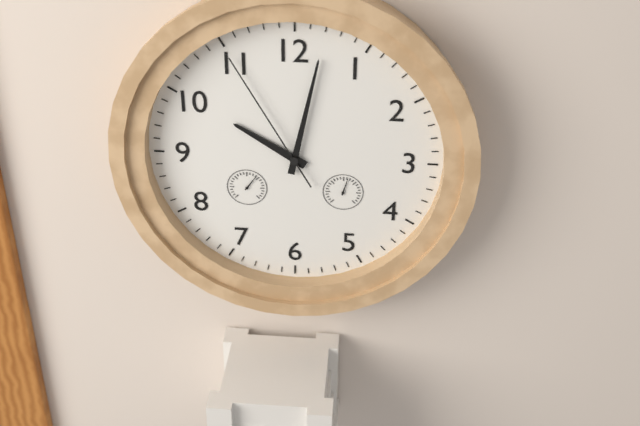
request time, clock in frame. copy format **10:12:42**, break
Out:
**10:02:55**
